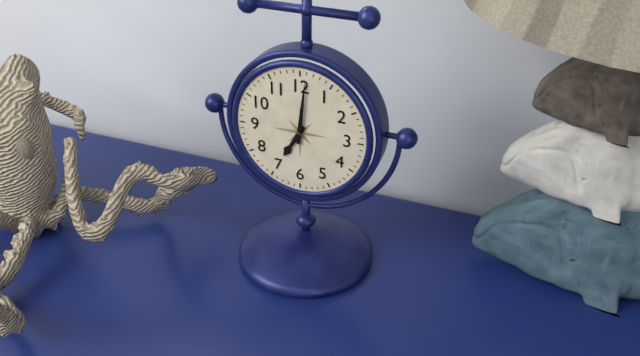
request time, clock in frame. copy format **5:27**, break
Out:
**7:01**
